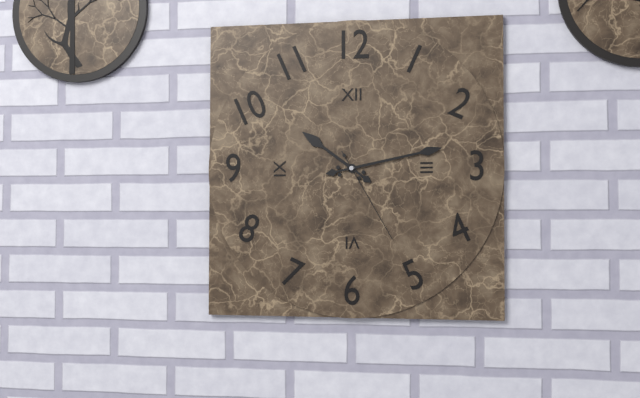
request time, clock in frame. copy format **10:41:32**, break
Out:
**10:13:25**
